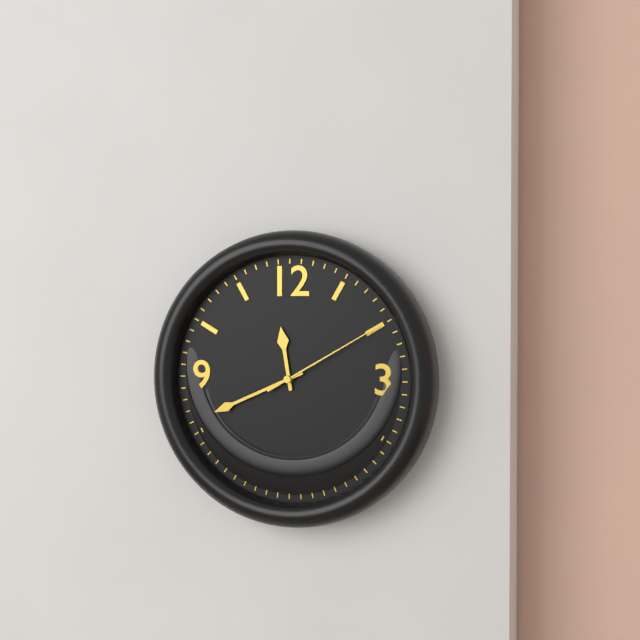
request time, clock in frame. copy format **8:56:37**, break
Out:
**11:41:10**
